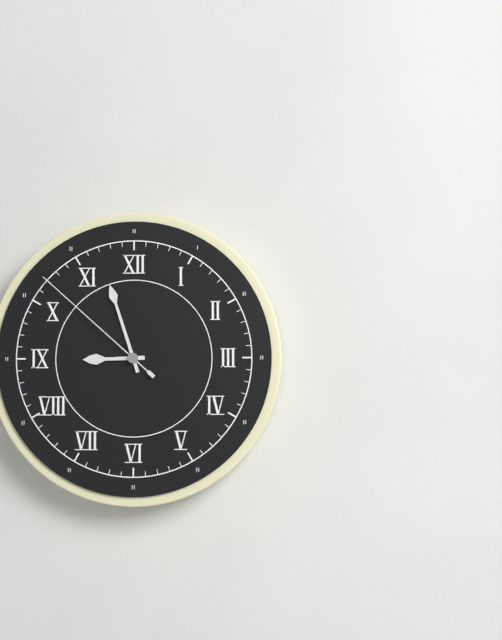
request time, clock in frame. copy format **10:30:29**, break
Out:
**8:57:52**
